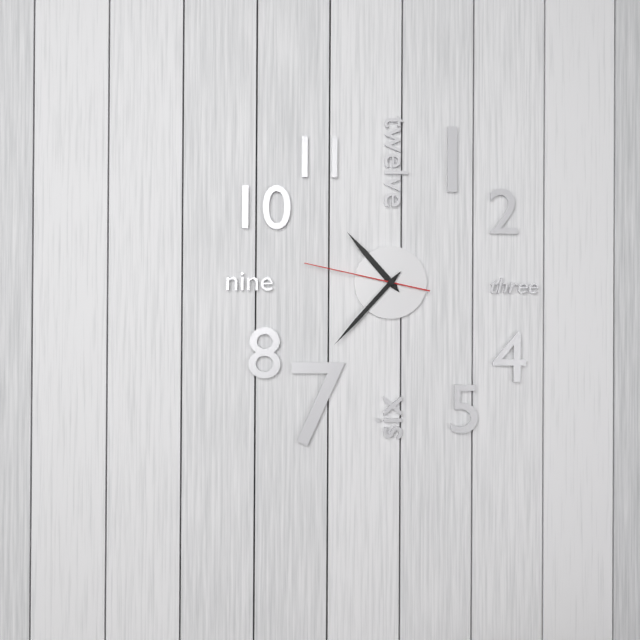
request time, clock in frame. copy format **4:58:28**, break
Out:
**10:37:47**
